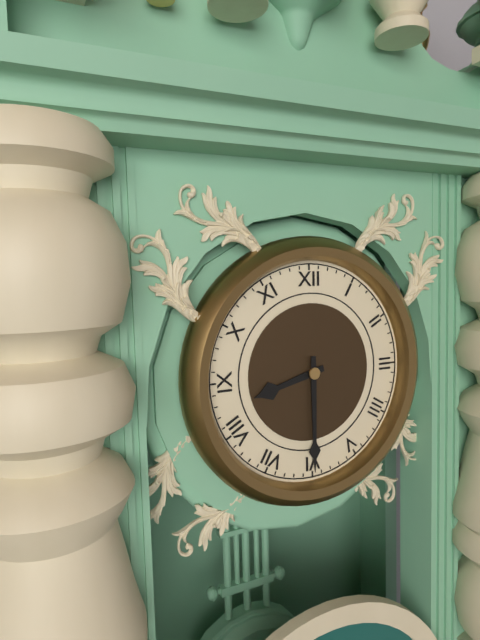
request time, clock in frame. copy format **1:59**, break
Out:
**8:30**
